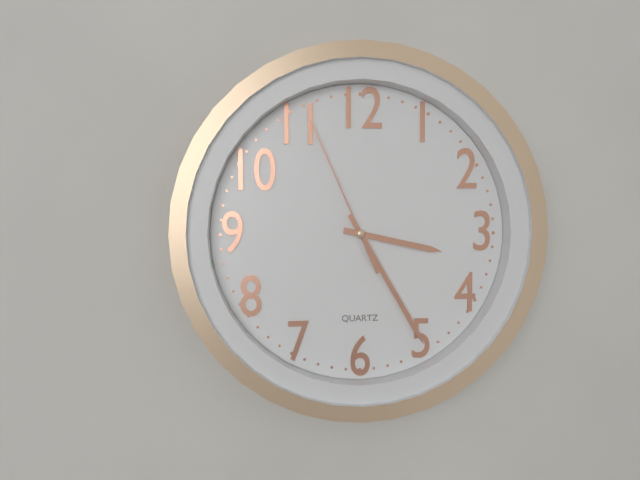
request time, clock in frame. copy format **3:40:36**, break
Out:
**3:25:56**
